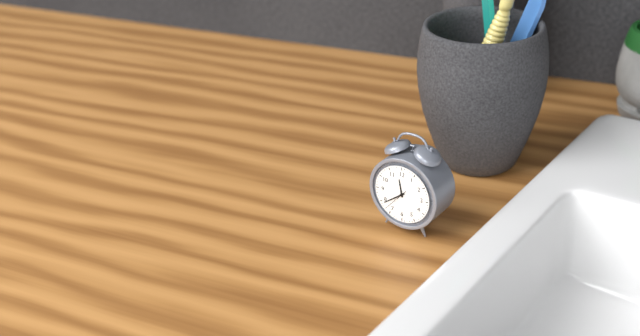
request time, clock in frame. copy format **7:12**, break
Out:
**11:39**
